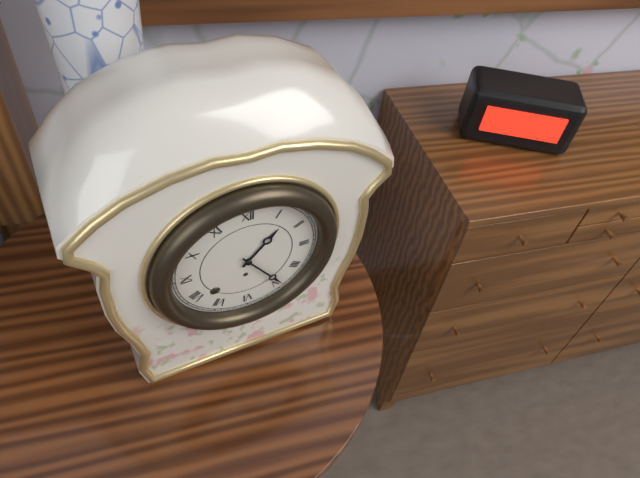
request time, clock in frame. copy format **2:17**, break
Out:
**1:24**
